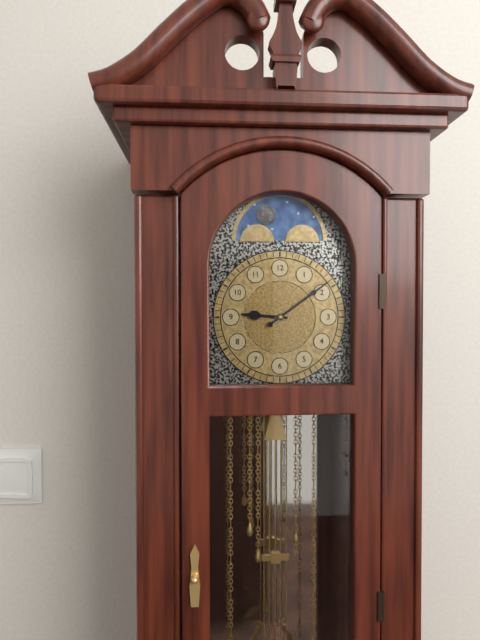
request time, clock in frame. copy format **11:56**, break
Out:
**9:09**
